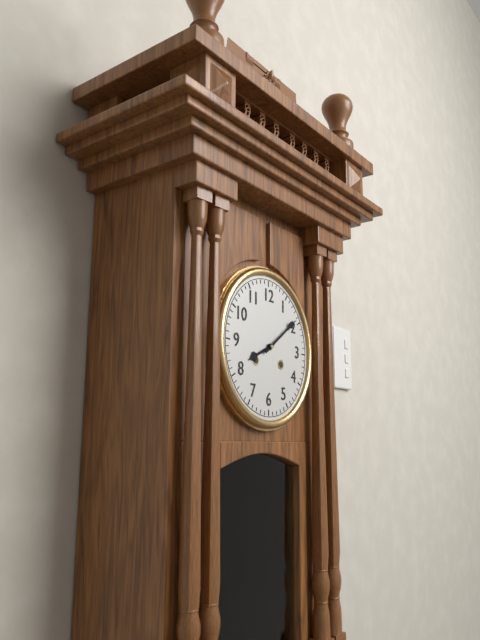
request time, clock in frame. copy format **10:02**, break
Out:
**8:09**
